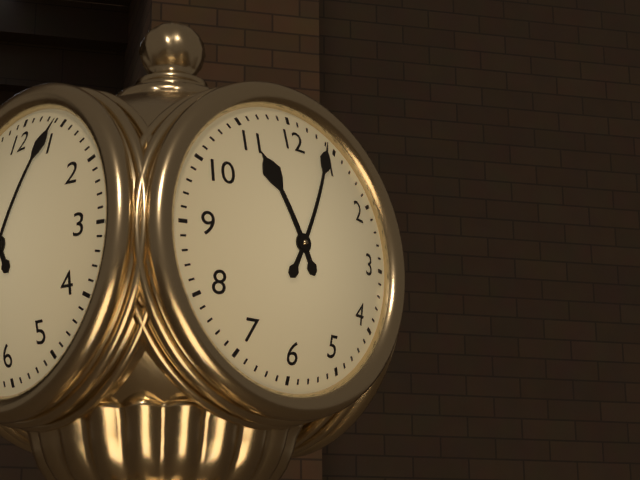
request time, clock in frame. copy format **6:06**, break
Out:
**11:04**
